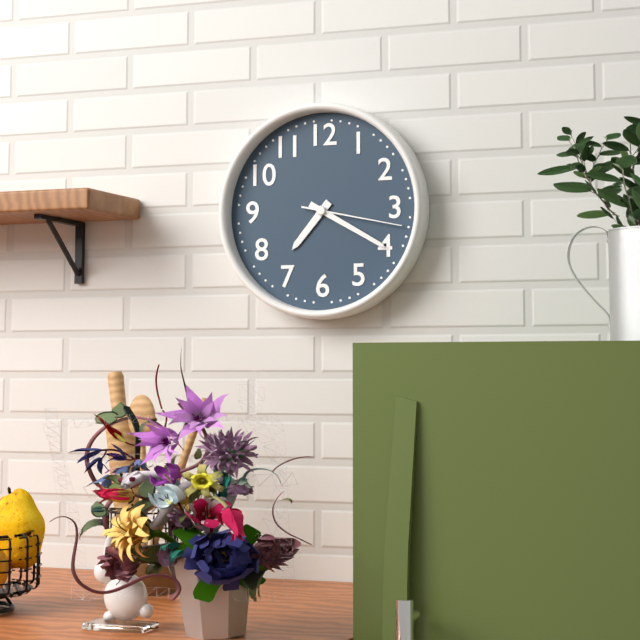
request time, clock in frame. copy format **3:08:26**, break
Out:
**7:20:17**
